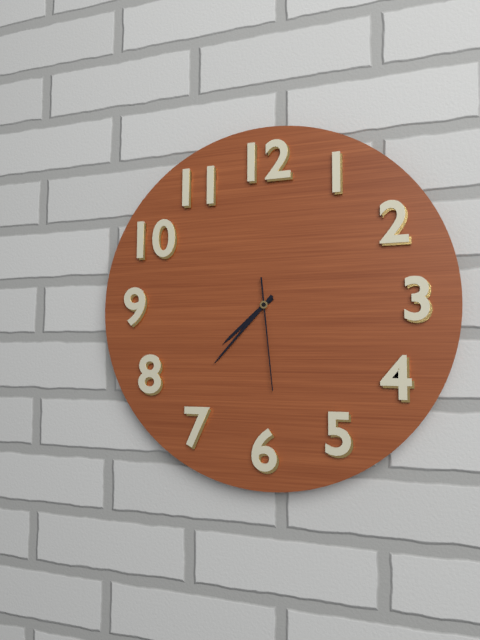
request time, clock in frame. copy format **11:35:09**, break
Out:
**7:37:29**
